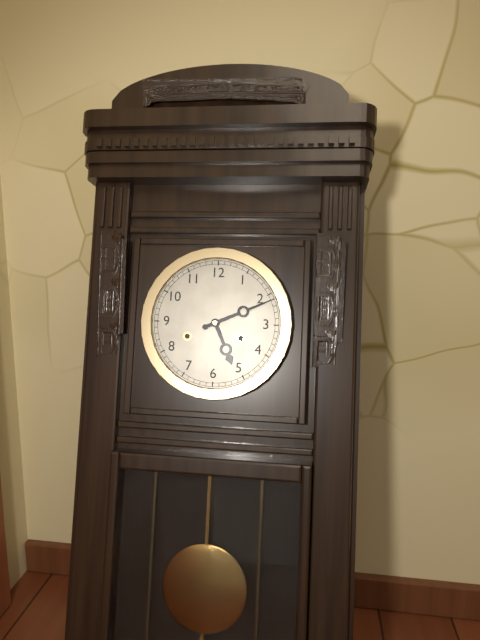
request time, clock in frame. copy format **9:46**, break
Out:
**5:11**
